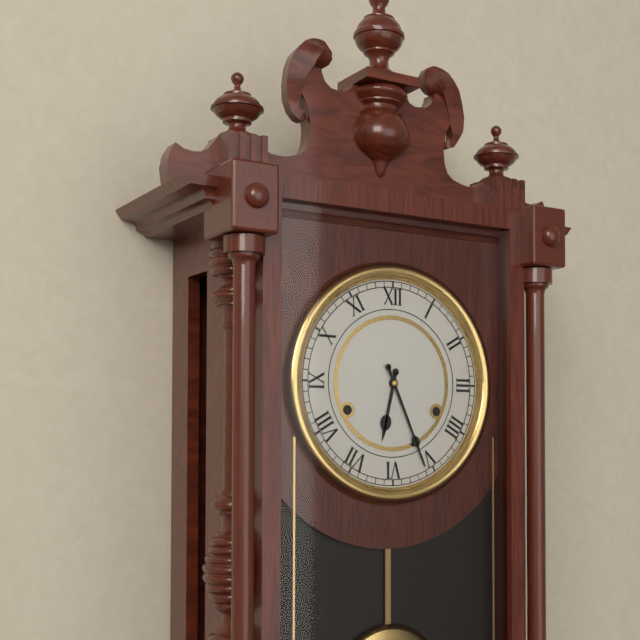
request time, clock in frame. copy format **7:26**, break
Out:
**6:26**
